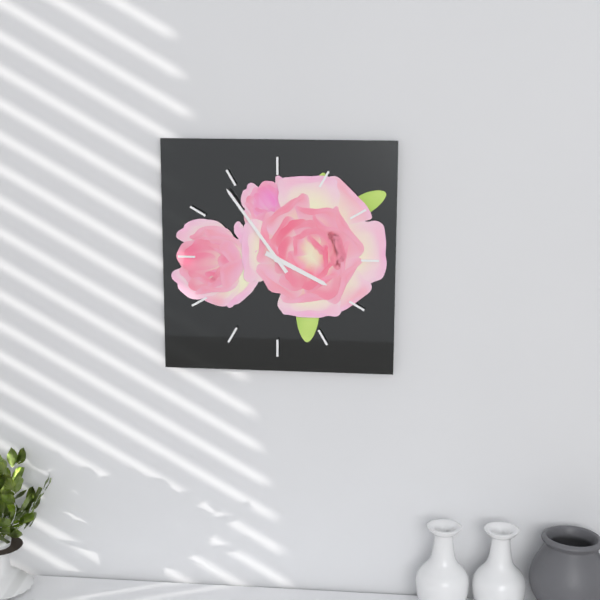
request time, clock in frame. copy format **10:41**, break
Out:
**3:54**
